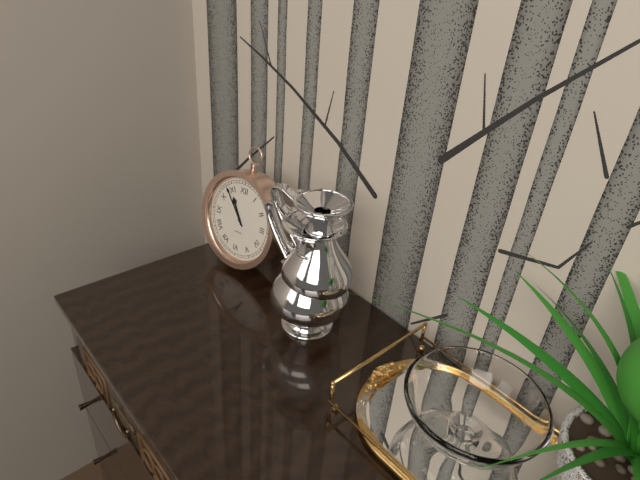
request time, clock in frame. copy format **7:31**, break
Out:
**10:53**
